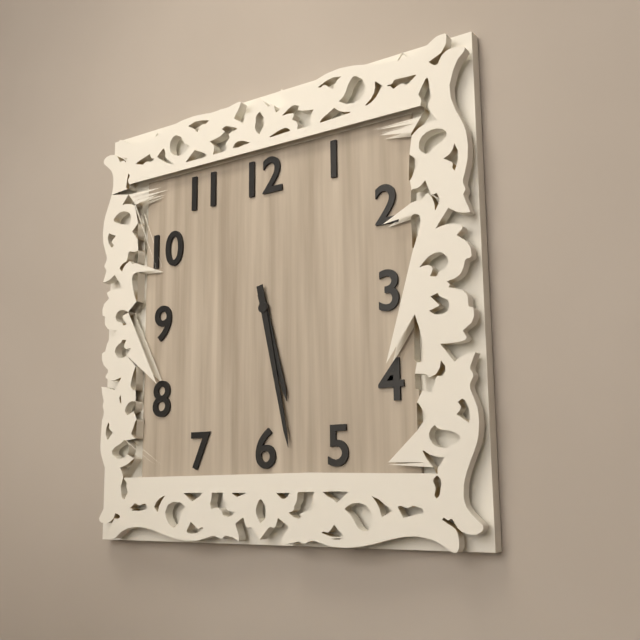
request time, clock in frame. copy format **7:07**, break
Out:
**5:28**
